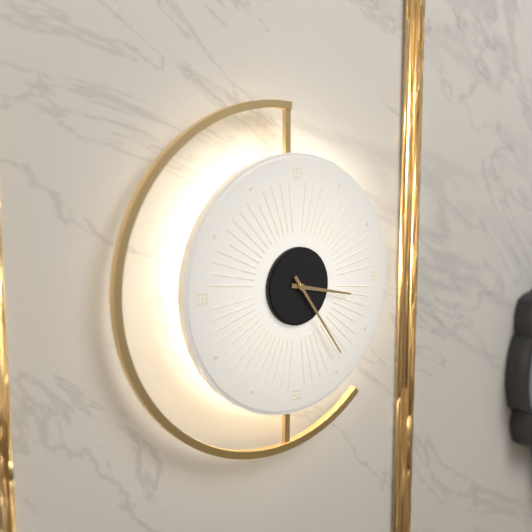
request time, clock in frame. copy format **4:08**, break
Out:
**3:24**
